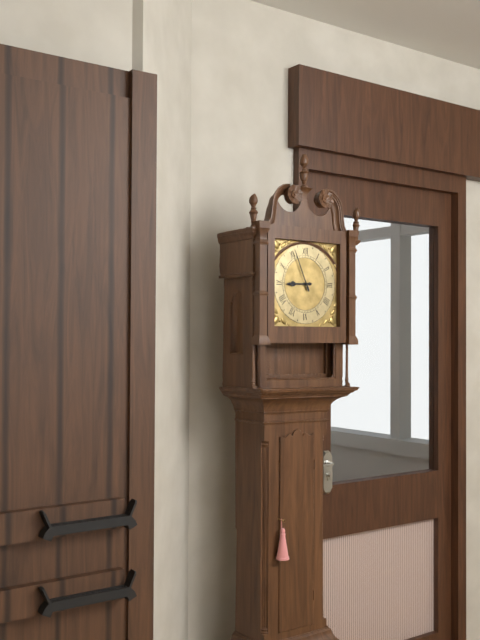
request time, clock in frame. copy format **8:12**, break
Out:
**8:56**
